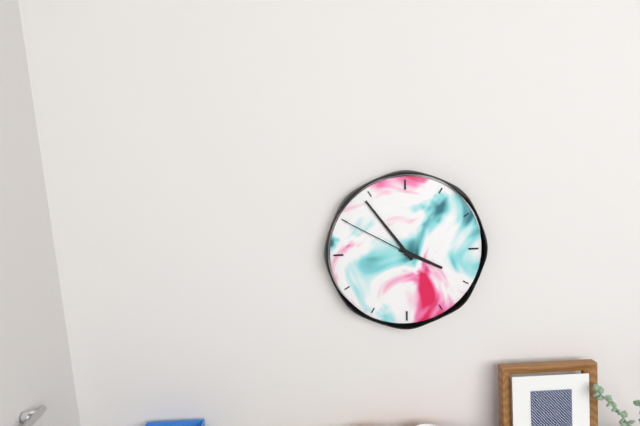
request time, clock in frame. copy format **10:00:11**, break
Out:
**3:54:50**
